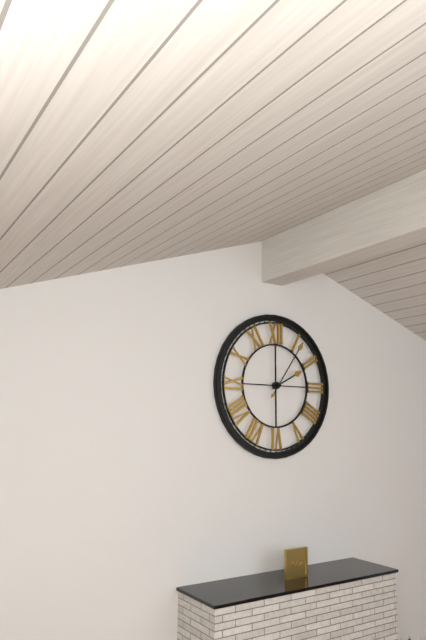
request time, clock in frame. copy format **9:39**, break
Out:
**2:06**
